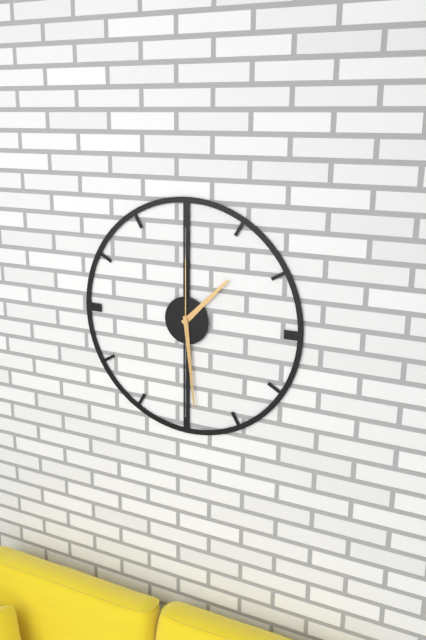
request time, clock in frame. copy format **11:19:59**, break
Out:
**1:29:00**
